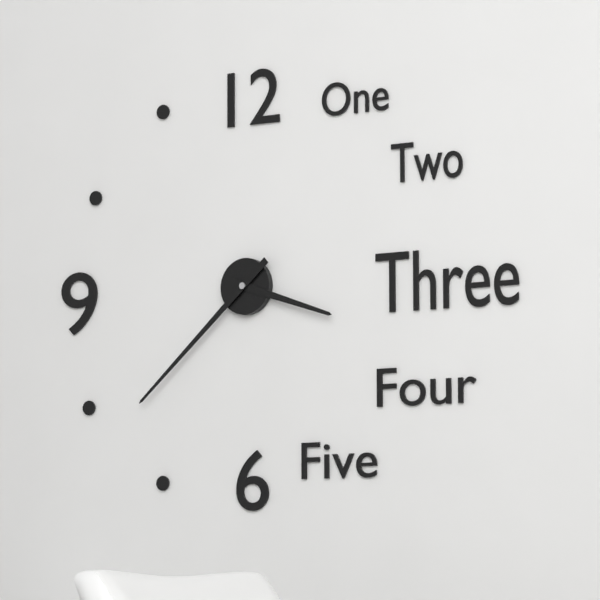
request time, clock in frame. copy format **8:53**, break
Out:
**3:38**
